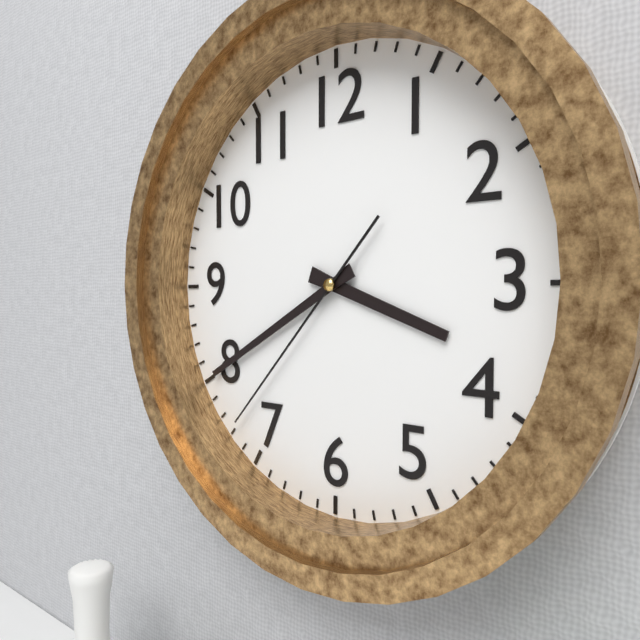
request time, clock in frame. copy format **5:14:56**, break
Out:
**3:40:37**
